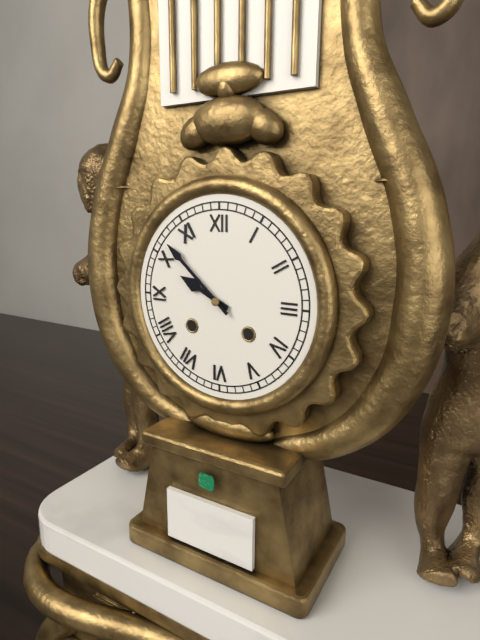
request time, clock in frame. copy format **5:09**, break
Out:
**9:52**
